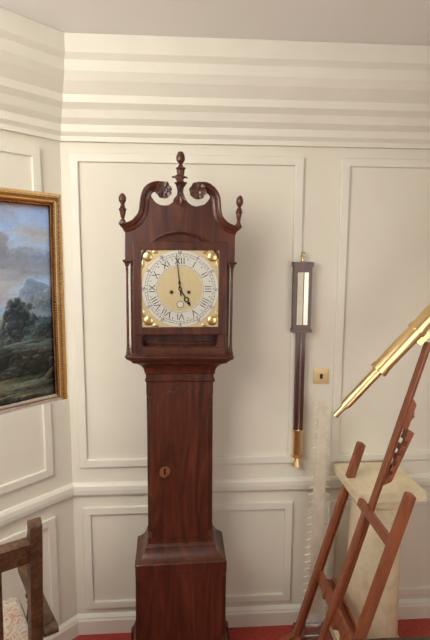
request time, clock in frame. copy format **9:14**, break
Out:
**4:59**
